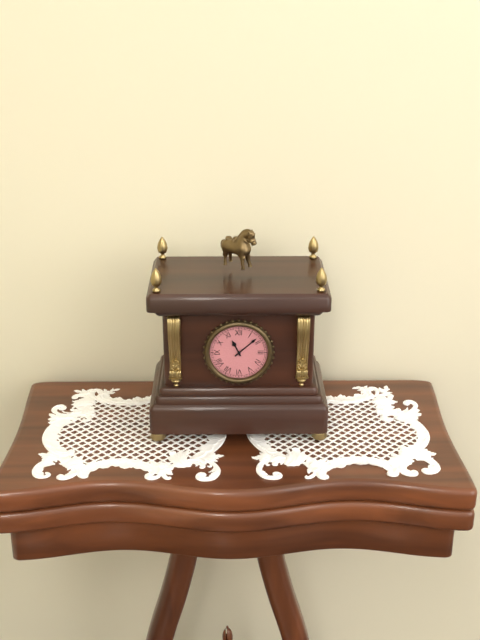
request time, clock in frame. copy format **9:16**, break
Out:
**11:08**
